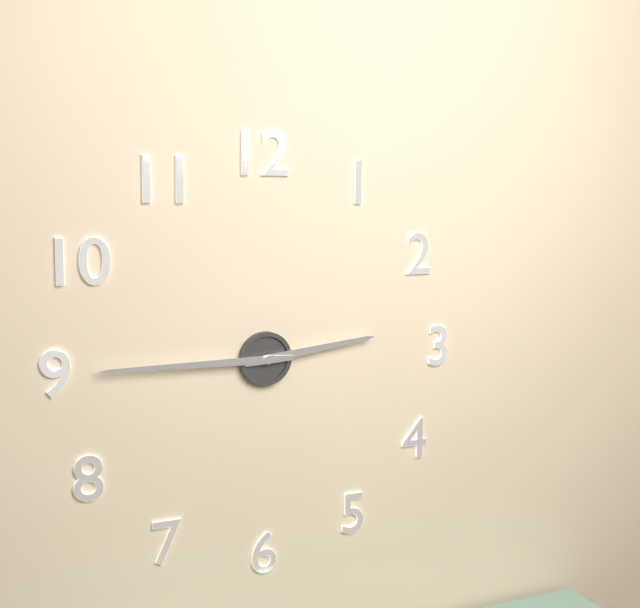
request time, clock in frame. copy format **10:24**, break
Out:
**2:45**
